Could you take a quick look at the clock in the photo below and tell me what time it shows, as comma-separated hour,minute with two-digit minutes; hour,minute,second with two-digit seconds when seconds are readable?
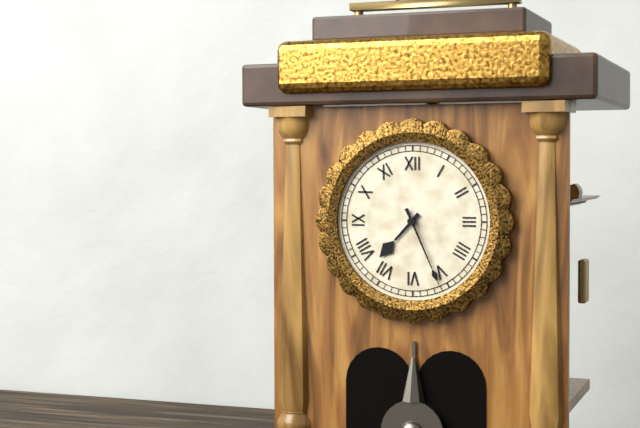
7,26
